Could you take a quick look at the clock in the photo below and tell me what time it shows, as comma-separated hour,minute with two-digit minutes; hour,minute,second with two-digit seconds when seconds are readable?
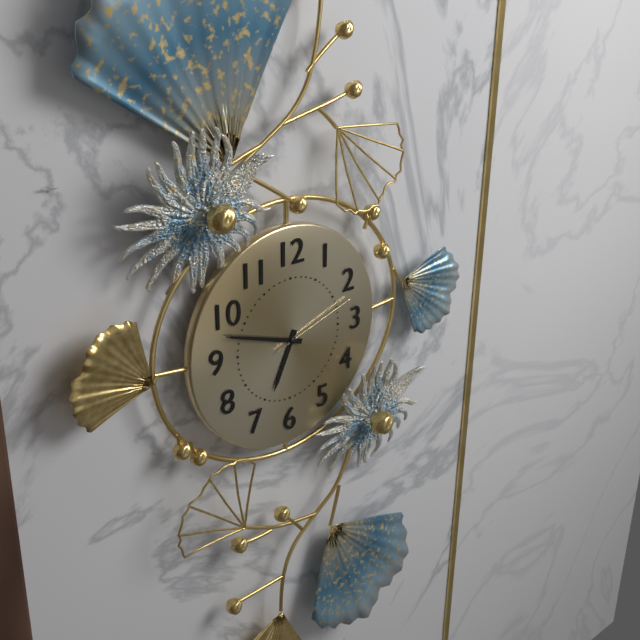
6,48,12
